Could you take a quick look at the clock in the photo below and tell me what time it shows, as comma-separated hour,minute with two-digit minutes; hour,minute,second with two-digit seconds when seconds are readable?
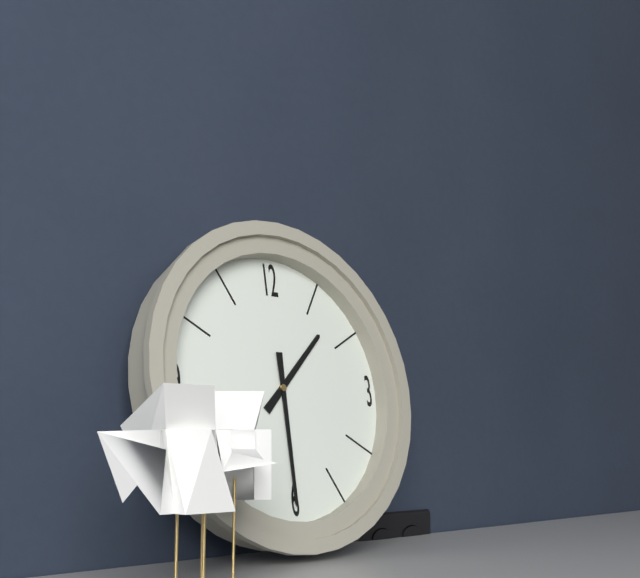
1,30
